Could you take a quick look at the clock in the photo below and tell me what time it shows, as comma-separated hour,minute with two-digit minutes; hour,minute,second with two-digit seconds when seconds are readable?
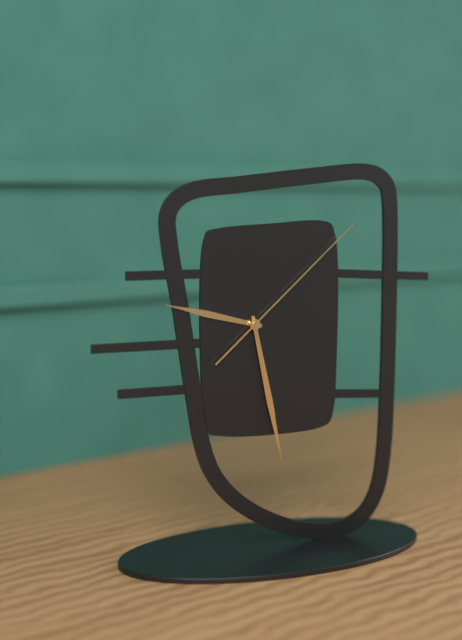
9,28,08
